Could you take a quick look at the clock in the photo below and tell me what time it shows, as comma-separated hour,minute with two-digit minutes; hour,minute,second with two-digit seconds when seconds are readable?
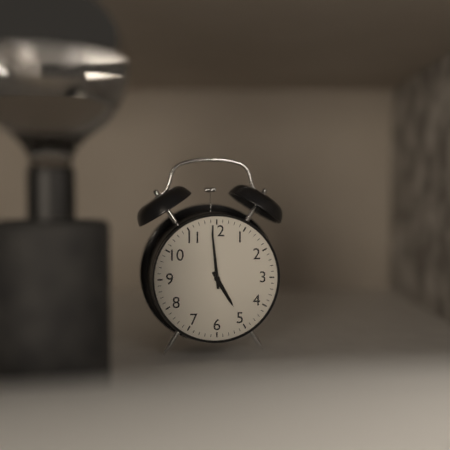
4,59
